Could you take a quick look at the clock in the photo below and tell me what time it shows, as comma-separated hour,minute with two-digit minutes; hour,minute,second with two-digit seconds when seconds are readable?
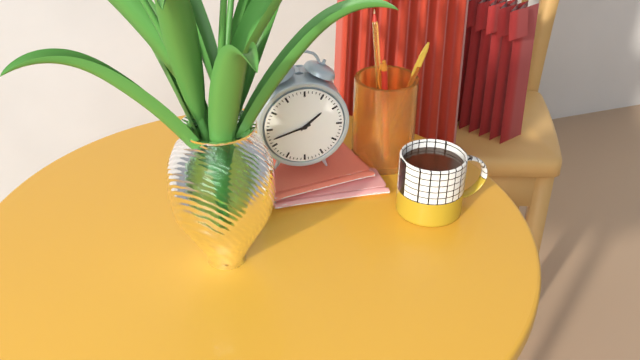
1,42
